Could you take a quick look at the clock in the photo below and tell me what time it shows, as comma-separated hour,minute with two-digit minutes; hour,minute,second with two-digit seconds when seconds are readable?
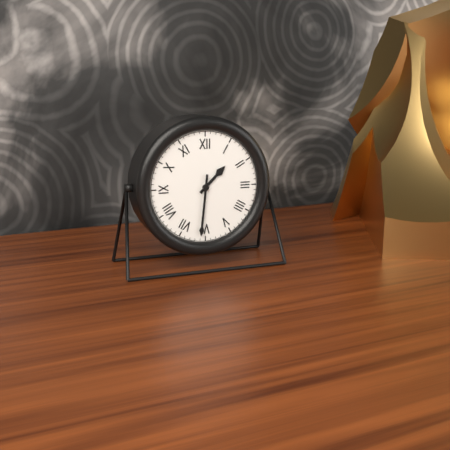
1,31
